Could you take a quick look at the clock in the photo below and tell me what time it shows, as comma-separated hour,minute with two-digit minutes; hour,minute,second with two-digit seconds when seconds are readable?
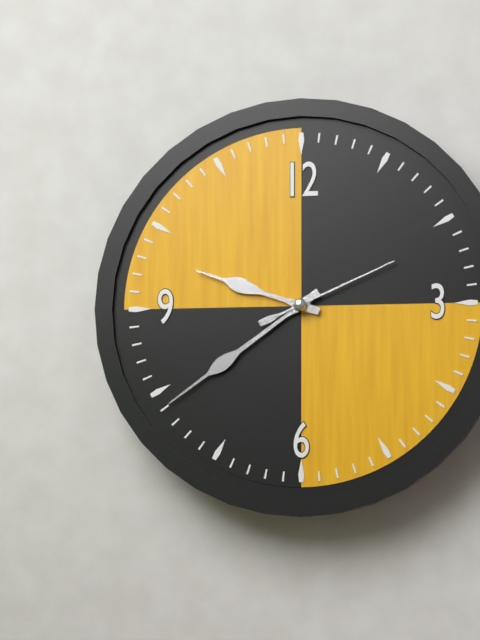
9,39,11
